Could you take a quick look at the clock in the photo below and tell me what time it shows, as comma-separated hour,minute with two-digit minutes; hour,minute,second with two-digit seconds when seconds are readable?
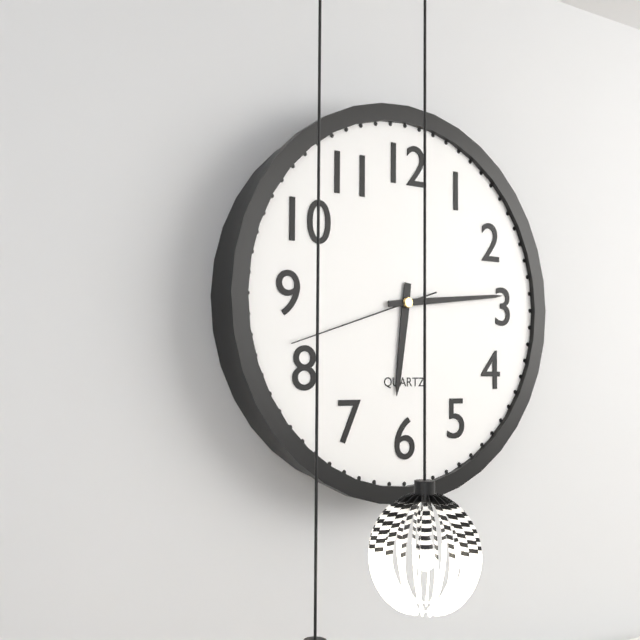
6,14,42
